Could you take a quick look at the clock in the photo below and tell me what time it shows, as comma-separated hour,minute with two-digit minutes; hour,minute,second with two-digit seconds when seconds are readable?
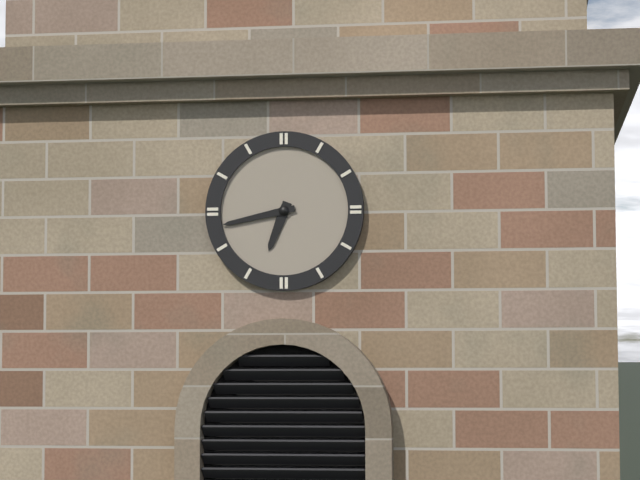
6,43
